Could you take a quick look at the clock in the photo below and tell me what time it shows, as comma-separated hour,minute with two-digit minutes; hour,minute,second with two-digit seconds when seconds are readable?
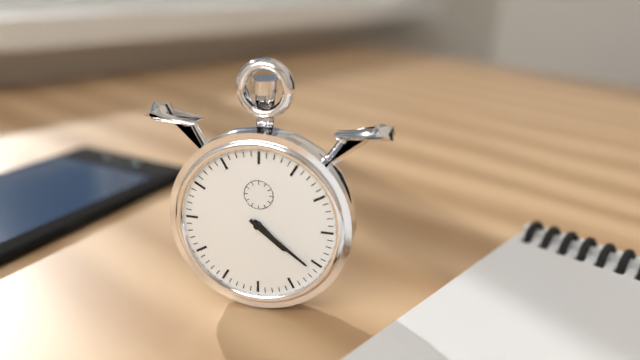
4,21
